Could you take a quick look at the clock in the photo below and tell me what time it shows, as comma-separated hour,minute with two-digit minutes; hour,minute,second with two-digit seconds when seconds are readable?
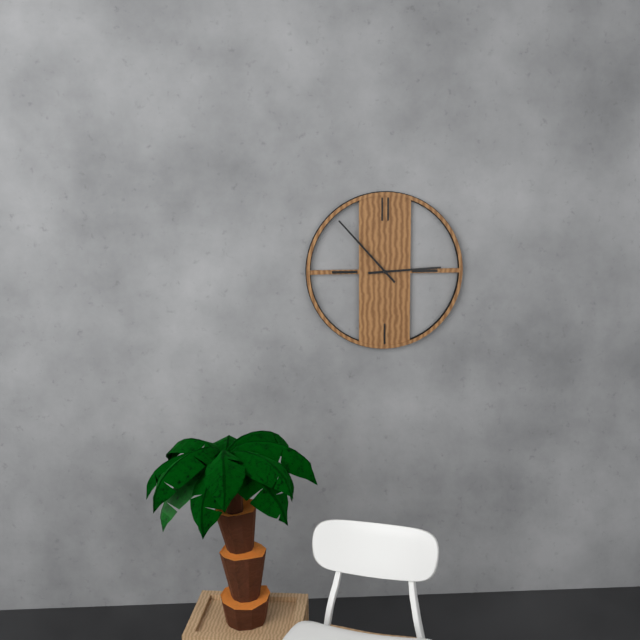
2,53
